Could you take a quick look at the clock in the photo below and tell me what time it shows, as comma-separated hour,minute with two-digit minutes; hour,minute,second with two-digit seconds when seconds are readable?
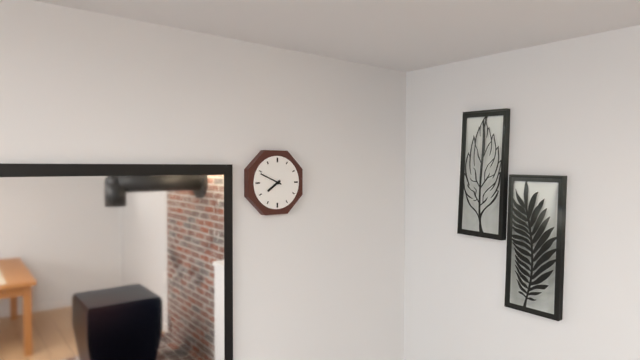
7,49
